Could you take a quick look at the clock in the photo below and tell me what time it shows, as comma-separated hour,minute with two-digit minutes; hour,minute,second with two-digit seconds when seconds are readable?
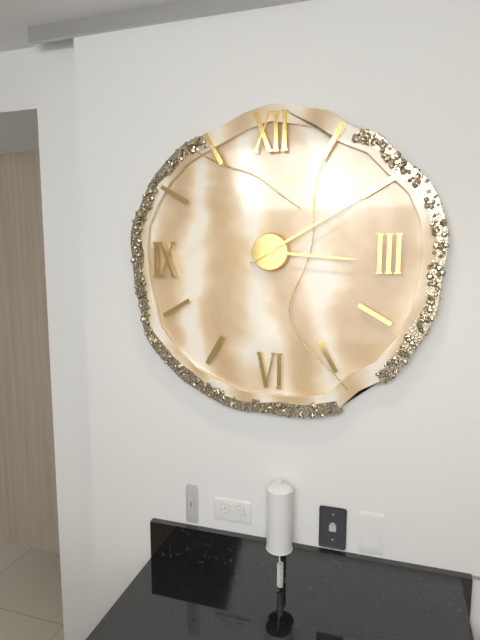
3,10
